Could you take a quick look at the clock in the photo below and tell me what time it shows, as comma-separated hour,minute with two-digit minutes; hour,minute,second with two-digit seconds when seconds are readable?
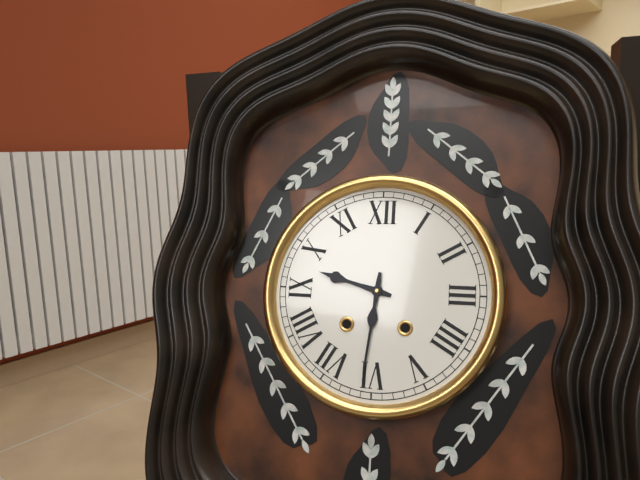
9,31
